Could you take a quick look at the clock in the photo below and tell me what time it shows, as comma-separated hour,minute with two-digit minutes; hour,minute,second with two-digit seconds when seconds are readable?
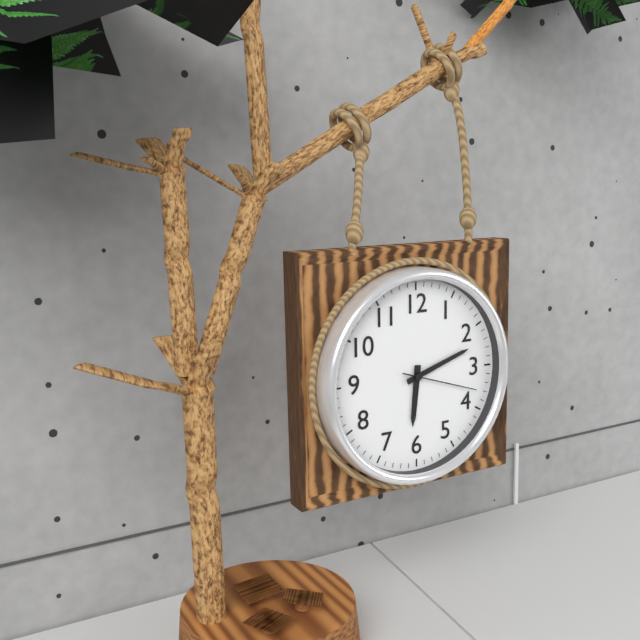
6,12,18
